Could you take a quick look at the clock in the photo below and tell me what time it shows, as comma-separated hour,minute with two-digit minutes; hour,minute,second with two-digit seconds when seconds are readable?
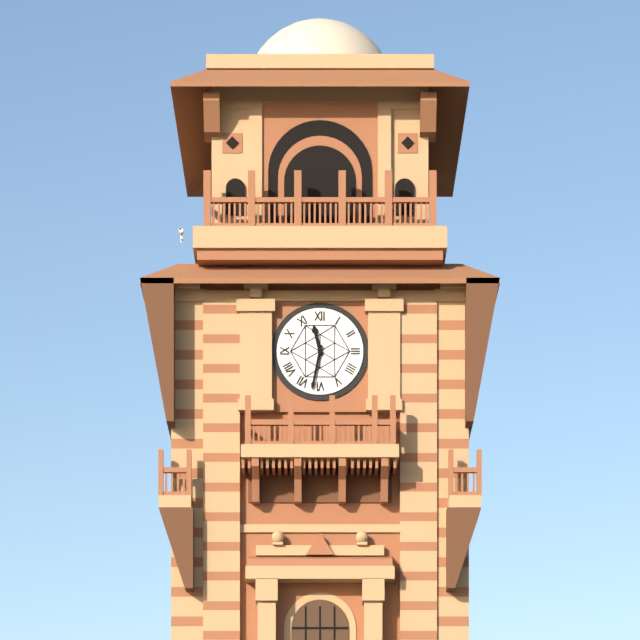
11,32
